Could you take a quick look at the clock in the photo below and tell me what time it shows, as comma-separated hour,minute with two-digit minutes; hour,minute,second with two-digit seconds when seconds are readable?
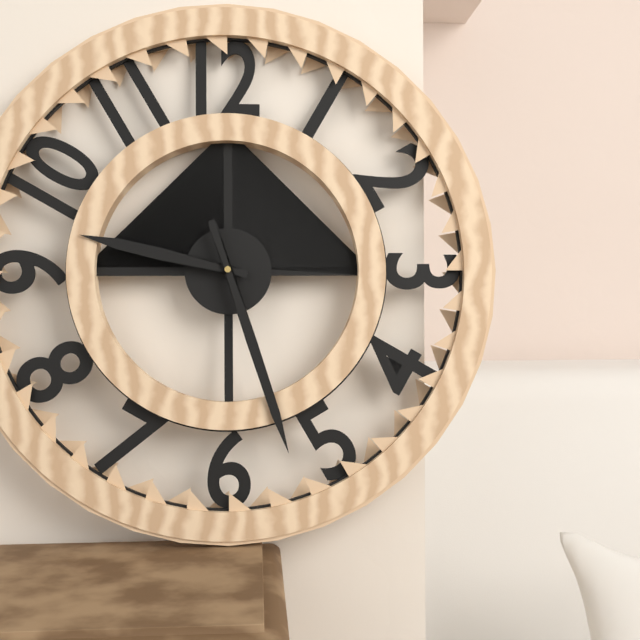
9,27
